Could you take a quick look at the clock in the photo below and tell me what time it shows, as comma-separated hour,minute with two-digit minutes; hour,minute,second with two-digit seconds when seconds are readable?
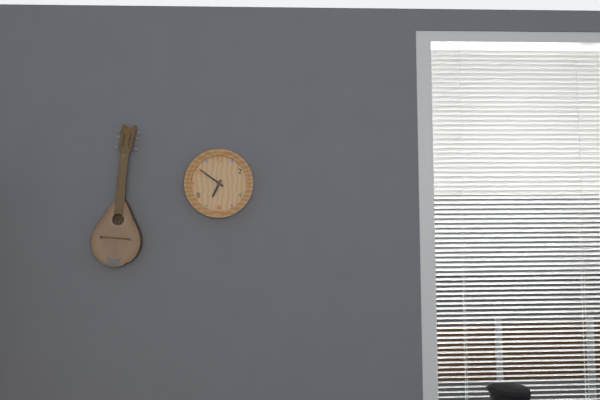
6,51
